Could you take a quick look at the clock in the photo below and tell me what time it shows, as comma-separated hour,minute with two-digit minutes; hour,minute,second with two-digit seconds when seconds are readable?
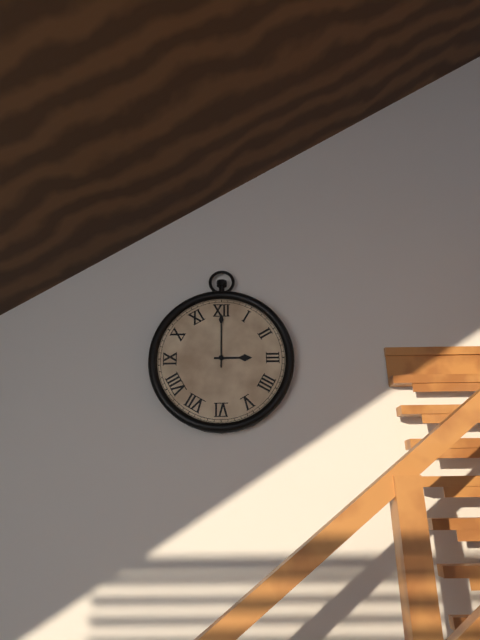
3,00
